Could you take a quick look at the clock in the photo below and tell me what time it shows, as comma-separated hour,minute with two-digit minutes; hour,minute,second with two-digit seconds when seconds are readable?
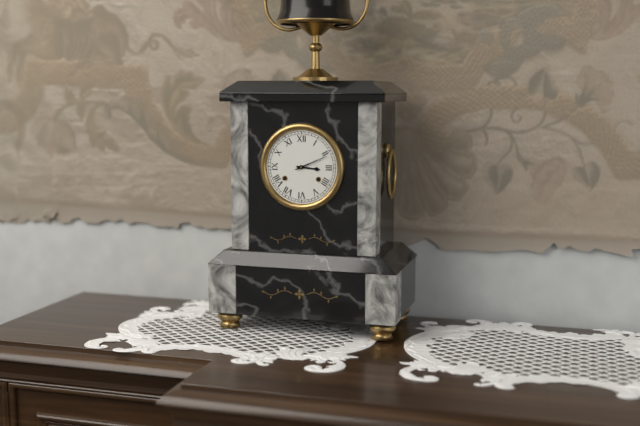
3,11
